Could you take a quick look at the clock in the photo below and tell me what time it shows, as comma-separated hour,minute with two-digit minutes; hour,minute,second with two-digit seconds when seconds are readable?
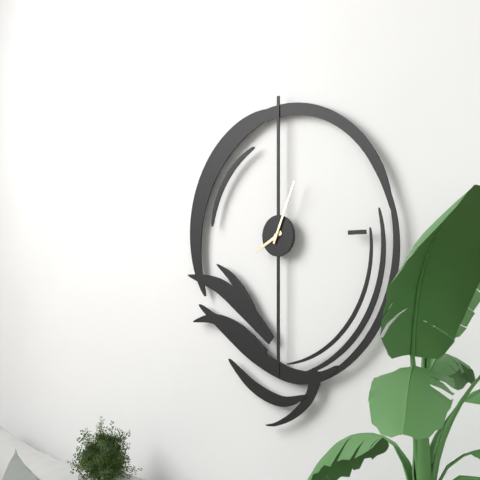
8,04
